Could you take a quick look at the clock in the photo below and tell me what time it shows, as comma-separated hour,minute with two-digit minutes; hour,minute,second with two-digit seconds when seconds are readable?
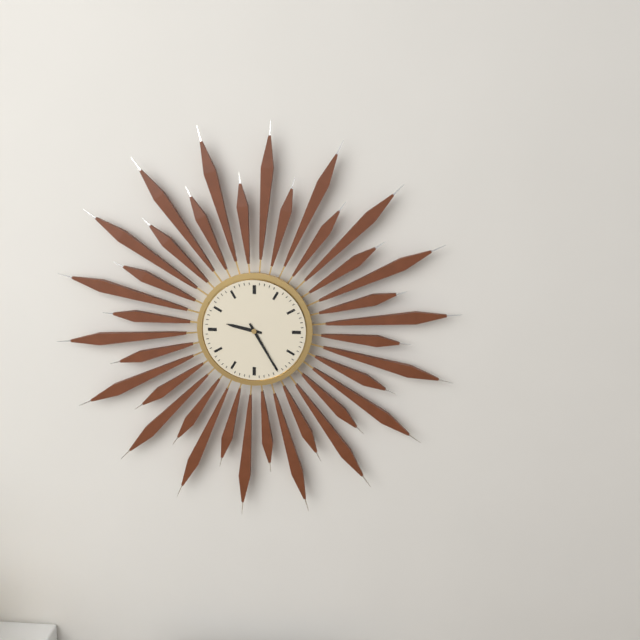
9,25
